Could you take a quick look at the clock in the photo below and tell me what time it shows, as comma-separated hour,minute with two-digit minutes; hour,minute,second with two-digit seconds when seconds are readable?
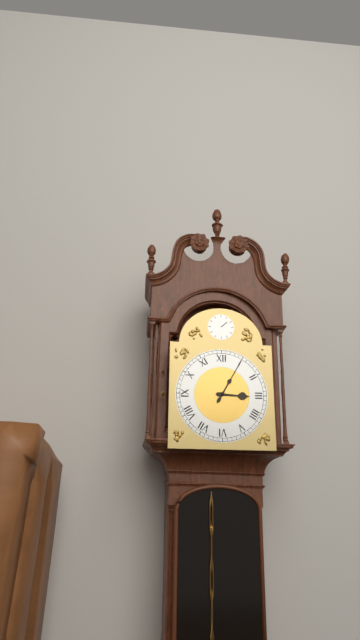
3,05
